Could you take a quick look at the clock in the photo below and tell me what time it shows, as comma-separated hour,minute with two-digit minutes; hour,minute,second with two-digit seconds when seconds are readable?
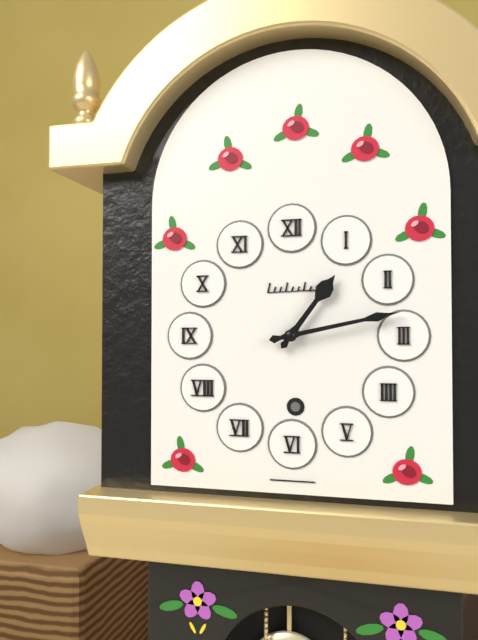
1,13
